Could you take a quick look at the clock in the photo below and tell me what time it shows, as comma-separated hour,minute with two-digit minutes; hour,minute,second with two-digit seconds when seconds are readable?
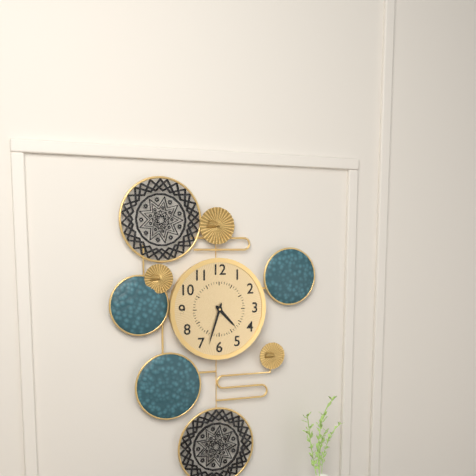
4,33
